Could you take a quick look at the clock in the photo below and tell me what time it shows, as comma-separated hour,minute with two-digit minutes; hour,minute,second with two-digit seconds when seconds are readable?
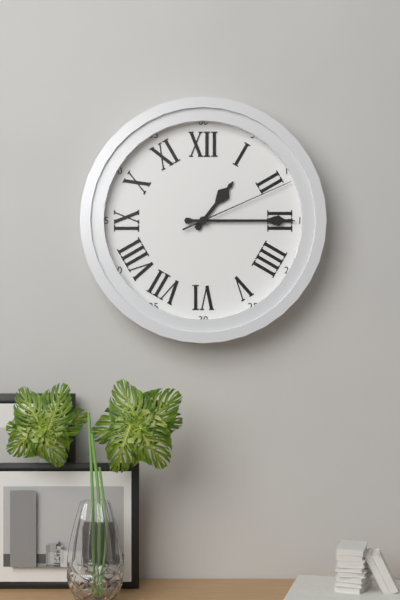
1,15,11
